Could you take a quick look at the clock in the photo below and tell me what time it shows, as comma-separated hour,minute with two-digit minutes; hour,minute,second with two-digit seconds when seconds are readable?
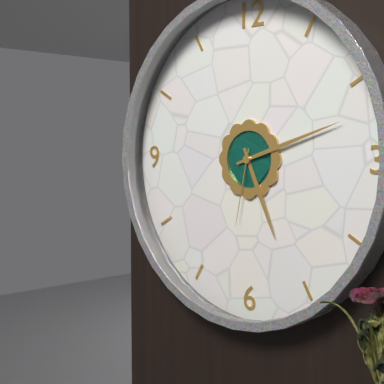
5,12,32
